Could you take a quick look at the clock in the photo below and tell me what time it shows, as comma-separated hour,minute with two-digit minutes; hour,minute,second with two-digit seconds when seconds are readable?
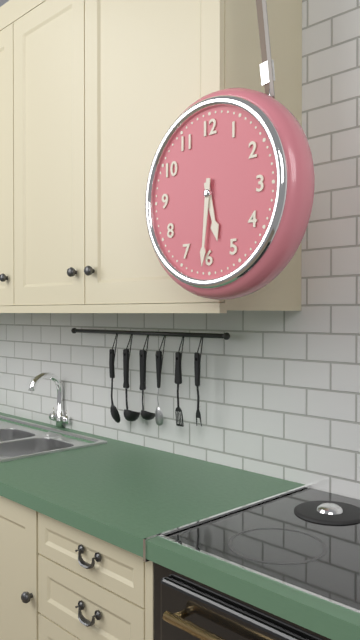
5,31
